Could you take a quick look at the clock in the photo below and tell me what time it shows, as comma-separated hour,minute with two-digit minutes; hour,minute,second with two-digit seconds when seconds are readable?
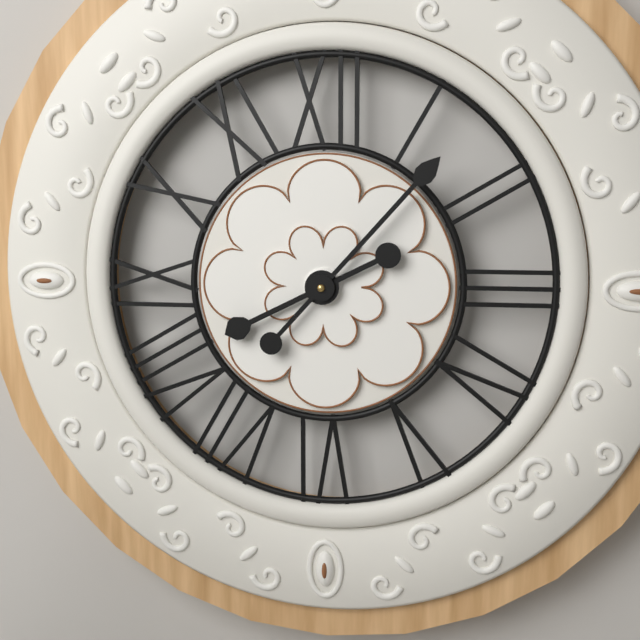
8,07
